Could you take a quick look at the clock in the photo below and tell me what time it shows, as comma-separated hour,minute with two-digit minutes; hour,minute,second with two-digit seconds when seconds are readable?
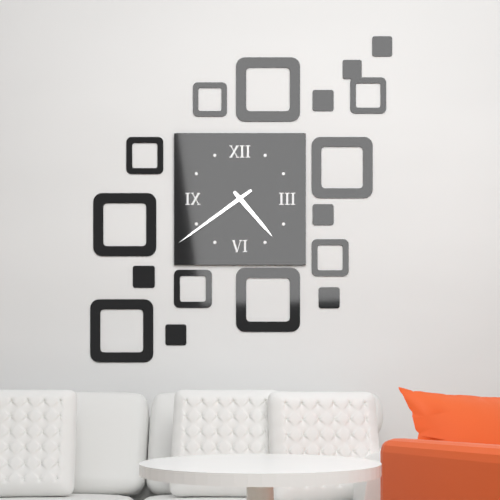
4,39
